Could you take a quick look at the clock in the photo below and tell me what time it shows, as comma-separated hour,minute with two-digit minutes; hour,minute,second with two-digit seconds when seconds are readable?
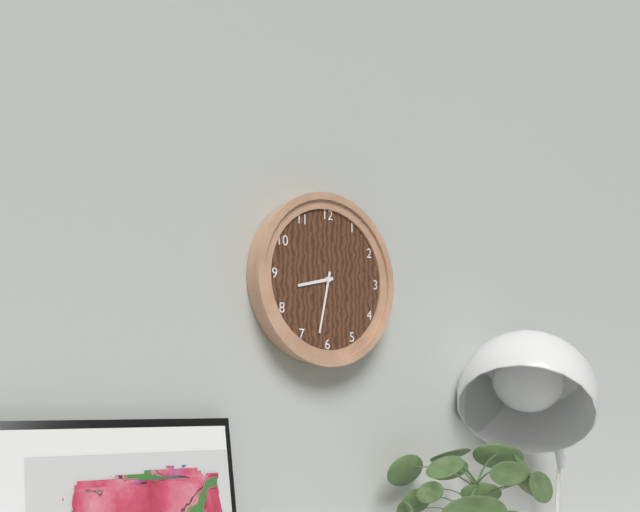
8,32
